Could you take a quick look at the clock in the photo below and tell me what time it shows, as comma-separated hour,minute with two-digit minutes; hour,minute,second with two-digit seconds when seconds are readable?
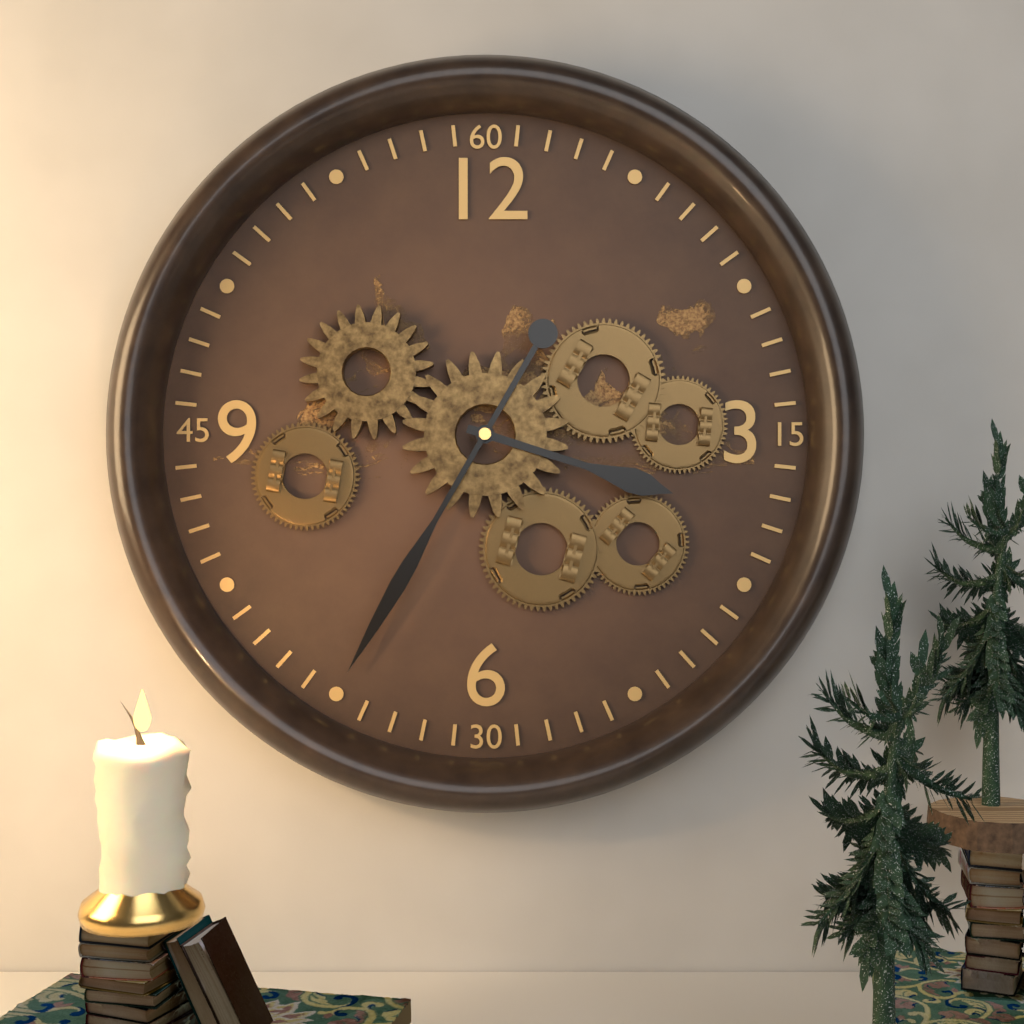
3,35
